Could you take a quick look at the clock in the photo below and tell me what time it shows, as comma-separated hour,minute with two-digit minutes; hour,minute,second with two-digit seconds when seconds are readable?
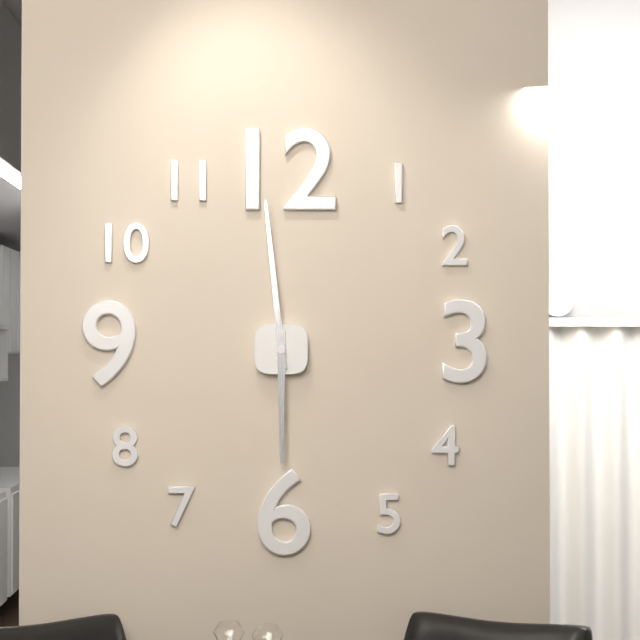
5,59
